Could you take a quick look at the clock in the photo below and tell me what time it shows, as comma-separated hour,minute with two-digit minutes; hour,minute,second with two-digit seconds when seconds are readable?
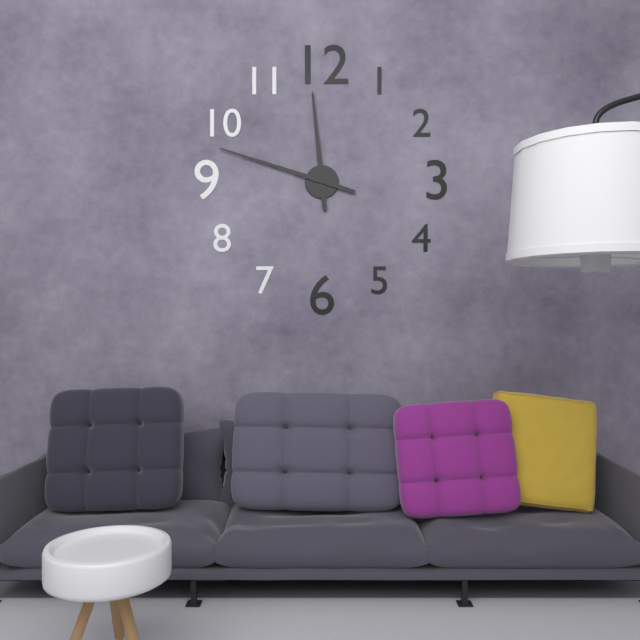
11,48
